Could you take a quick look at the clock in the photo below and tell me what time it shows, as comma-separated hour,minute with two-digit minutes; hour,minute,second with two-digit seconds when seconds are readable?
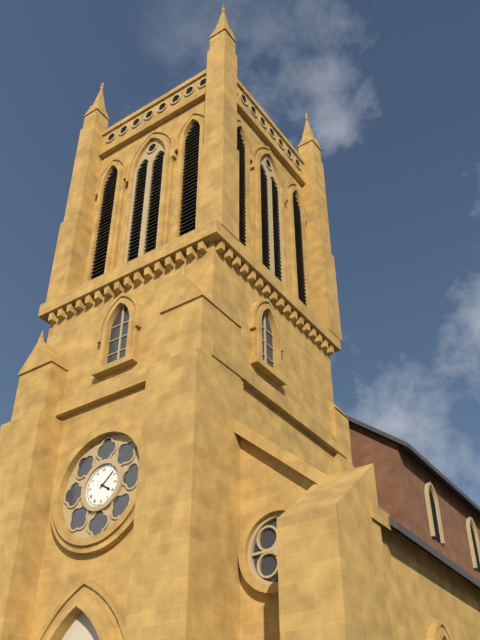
4,08
